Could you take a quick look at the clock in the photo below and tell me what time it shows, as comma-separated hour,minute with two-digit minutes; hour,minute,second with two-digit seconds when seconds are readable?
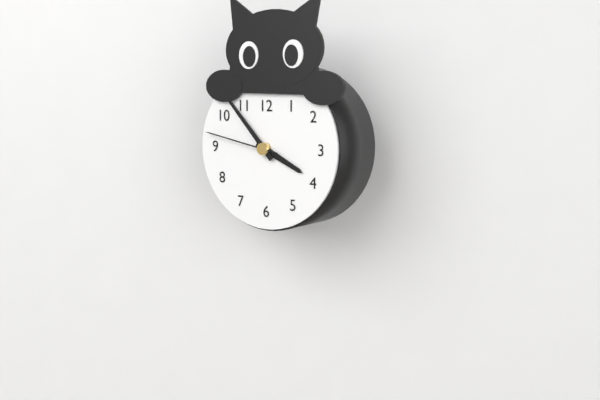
3,53,47
